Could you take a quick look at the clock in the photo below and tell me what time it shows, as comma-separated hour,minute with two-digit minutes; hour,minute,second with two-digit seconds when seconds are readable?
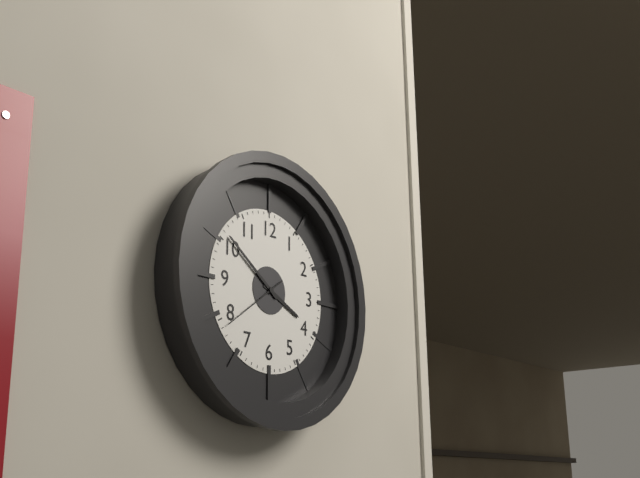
3,51,39
